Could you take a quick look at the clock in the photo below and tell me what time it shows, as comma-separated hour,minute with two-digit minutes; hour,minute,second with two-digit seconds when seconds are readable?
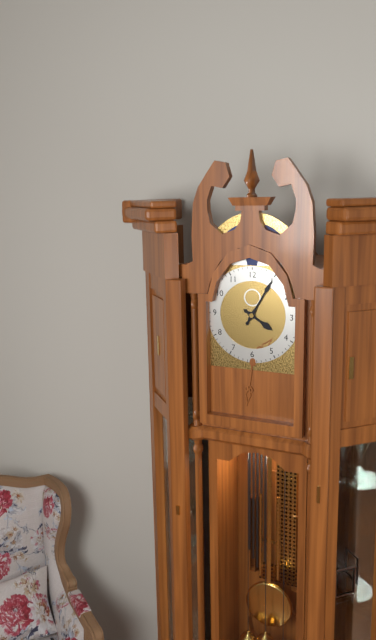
4,05
